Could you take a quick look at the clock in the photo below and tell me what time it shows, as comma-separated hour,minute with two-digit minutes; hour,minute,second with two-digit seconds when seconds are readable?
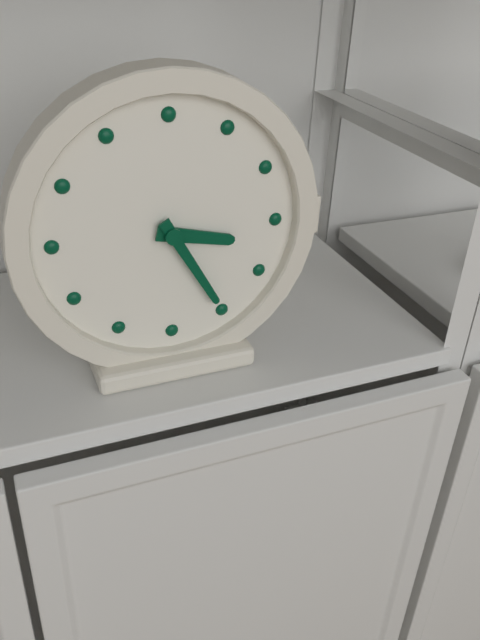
3,25
